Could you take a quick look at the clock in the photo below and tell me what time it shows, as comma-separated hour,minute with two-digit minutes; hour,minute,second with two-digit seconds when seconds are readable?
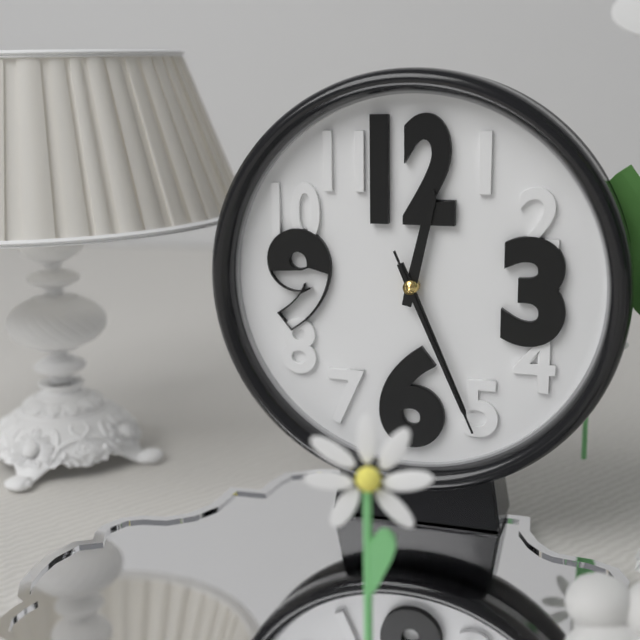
12,26,26
